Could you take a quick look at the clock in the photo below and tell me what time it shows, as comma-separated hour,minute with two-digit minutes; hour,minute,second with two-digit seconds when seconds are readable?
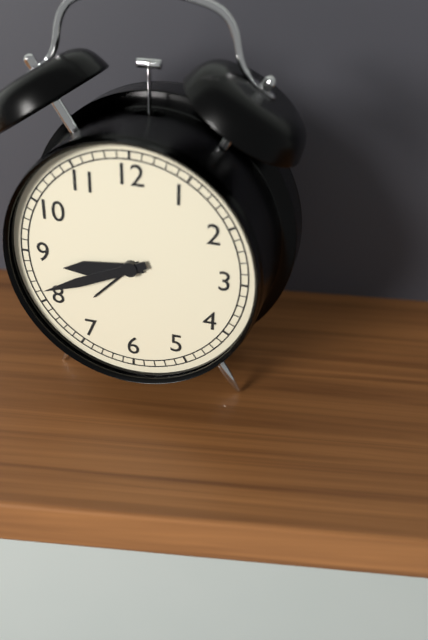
8,41
